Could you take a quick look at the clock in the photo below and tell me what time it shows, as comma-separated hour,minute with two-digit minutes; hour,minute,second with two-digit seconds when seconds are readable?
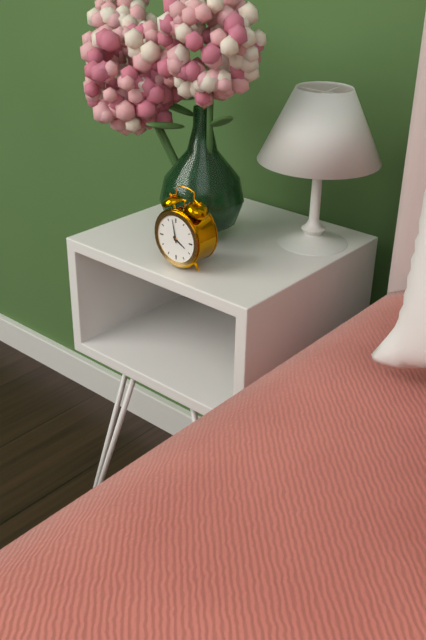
3,58
